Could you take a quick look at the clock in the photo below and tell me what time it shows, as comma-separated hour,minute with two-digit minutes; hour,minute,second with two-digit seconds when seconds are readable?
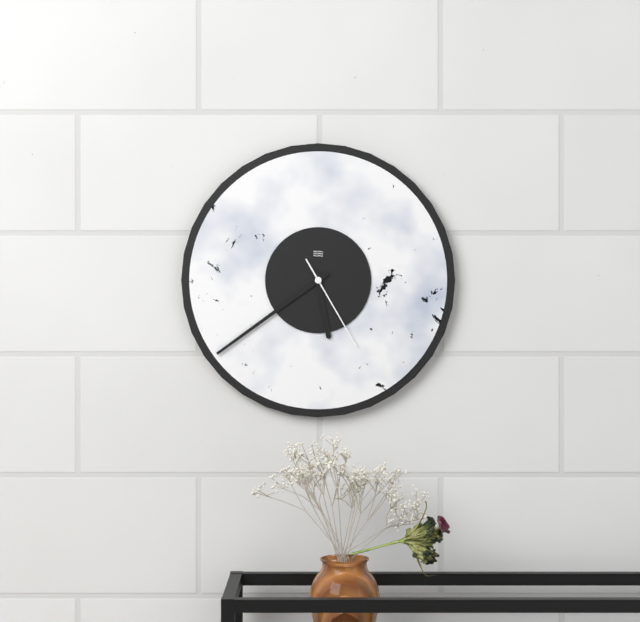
5,39,25
